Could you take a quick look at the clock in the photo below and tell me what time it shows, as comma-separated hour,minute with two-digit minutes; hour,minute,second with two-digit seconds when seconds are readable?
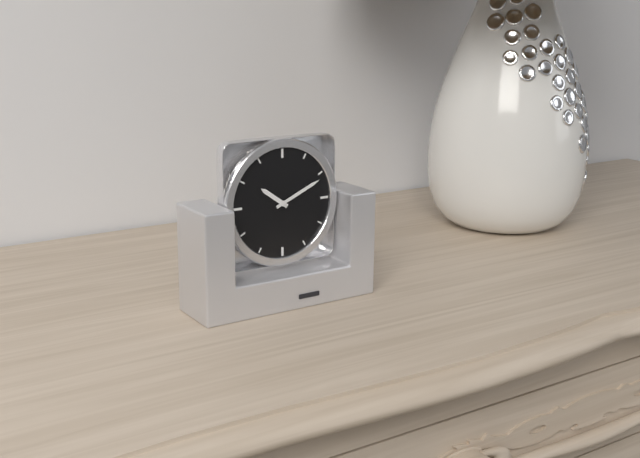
10,11
